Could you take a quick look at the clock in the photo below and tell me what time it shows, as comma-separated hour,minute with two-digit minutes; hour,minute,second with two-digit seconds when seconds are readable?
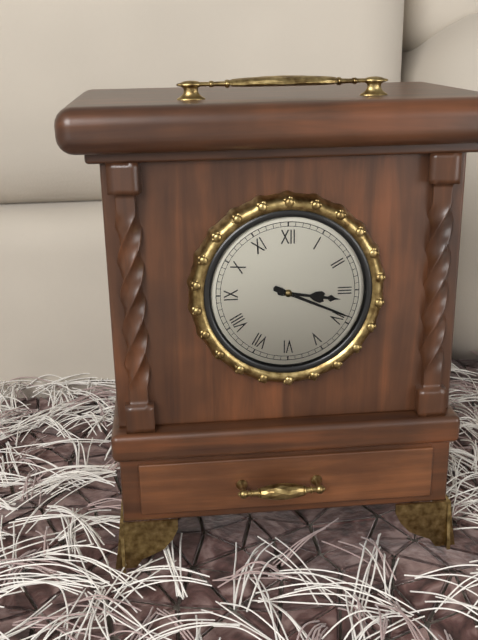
3,19
